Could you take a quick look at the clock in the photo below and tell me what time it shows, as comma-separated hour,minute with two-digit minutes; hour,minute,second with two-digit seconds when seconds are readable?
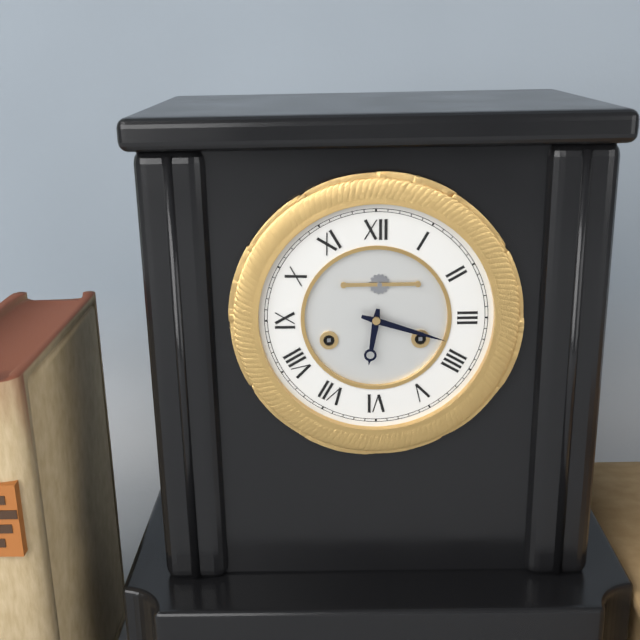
6,18
